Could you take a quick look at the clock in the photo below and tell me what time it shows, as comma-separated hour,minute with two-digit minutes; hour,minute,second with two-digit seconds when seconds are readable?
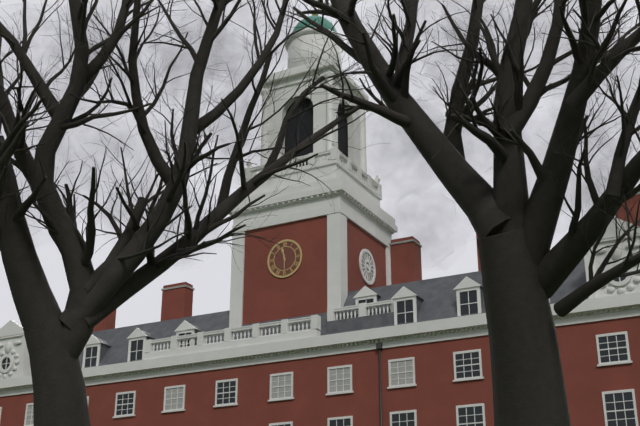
11,30
